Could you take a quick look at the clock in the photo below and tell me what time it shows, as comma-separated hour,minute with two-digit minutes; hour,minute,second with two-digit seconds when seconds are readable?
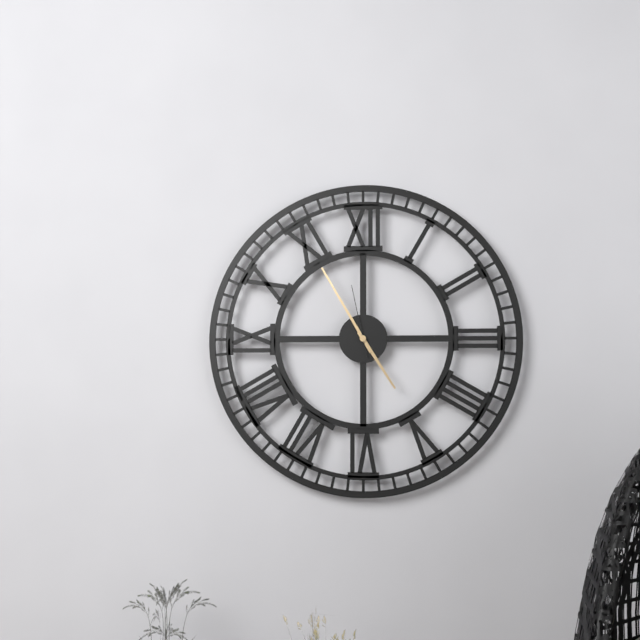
4,55,58
